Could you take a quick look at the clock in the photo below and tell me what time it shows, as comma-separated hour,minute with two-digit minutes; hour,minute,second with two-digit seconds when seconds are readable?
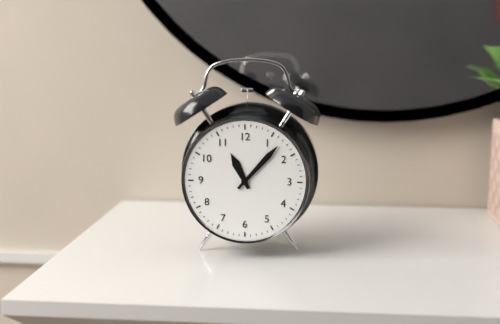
11,07
